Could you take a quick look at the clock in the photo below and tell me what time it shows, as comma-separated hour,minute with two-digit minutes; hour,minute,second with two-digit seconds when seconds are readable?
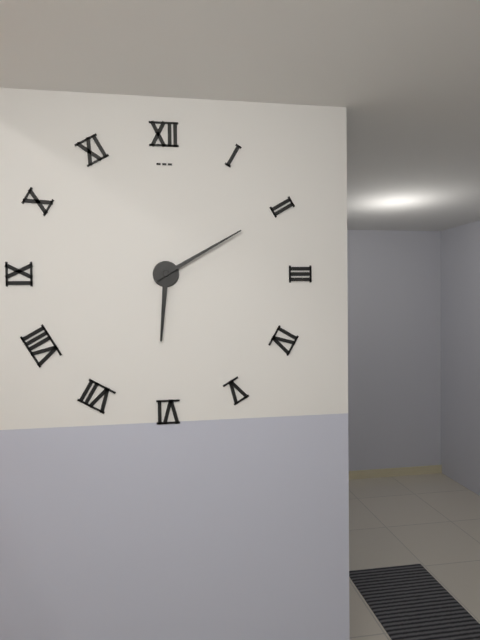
6,10
